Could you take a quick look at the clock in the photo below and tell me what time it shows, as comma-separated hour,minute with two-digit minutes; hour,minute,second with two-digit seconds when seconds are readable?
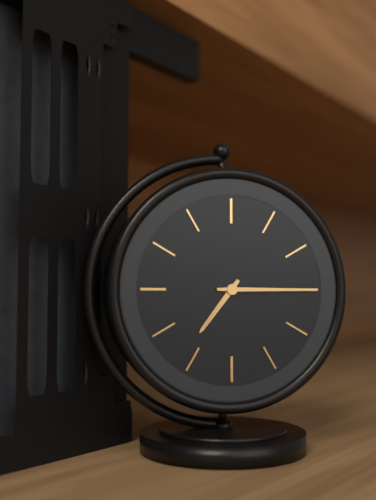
7,15
